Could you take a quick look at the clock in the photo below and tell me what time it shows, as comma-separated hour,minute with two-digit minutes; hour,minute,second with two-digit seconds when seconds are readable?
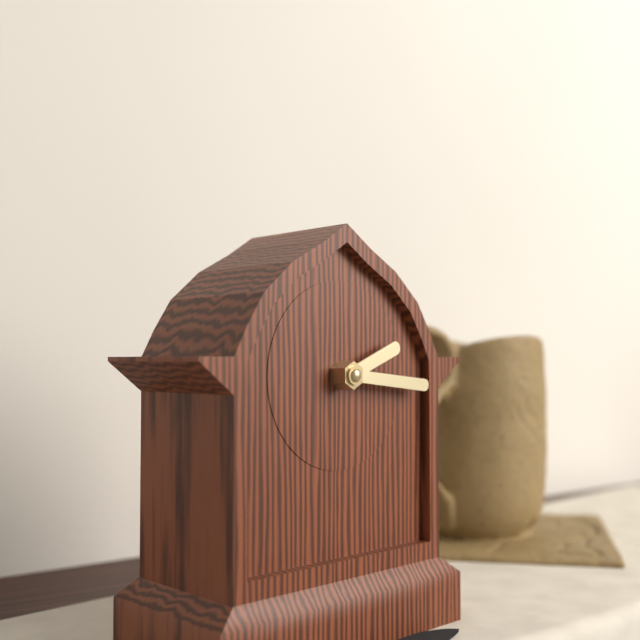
2,16
